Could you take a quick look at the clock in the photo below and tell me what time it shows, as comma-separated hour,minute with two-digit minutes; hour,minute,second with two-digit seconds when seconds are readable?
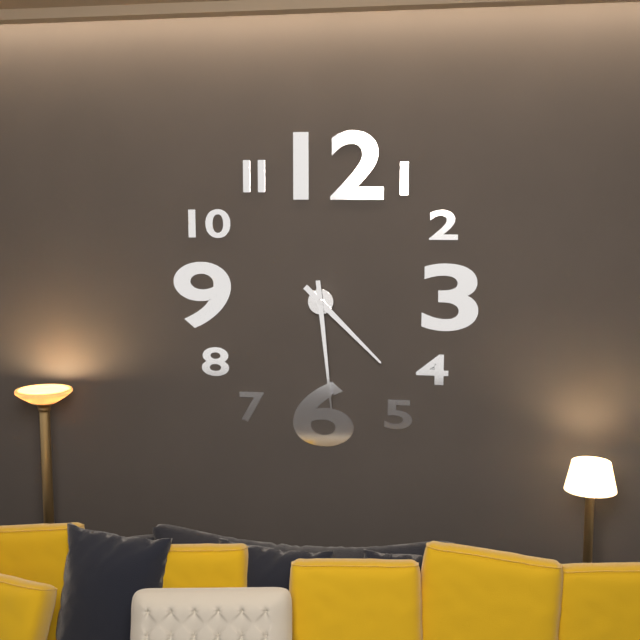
4,29
